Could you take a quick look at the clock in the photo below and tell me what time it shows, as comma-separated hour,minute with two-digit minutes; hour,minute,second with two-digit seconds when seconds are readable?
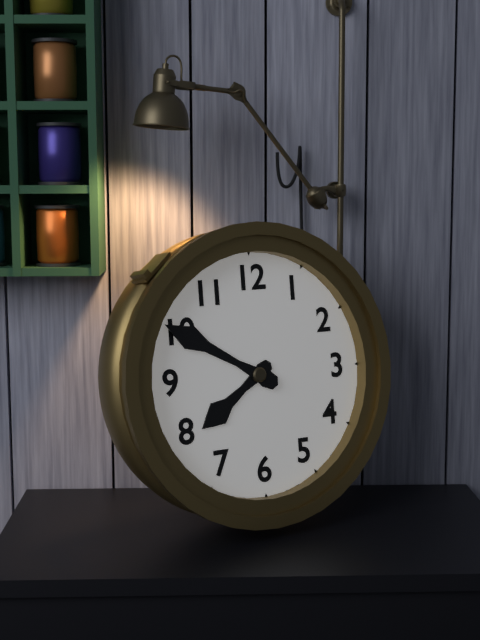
7,50
